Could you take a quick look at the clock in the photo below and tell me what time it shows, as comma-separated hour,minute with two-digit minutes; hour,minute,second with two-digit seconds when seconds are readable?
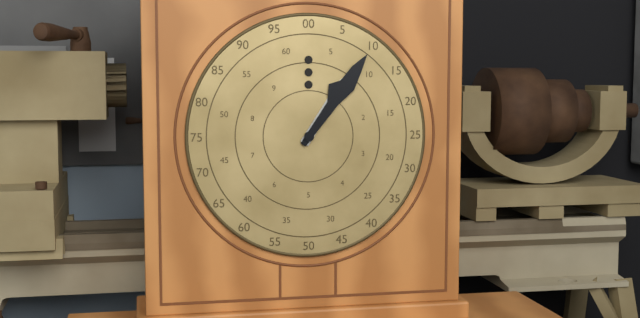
1,06
